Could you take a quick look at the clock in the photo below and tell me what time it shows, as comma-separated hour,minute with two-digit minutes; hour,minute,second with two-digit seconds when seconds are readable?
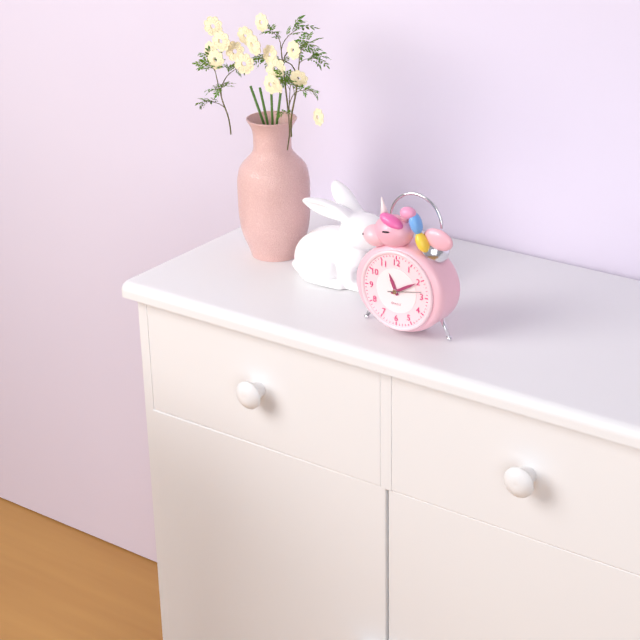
11,10
